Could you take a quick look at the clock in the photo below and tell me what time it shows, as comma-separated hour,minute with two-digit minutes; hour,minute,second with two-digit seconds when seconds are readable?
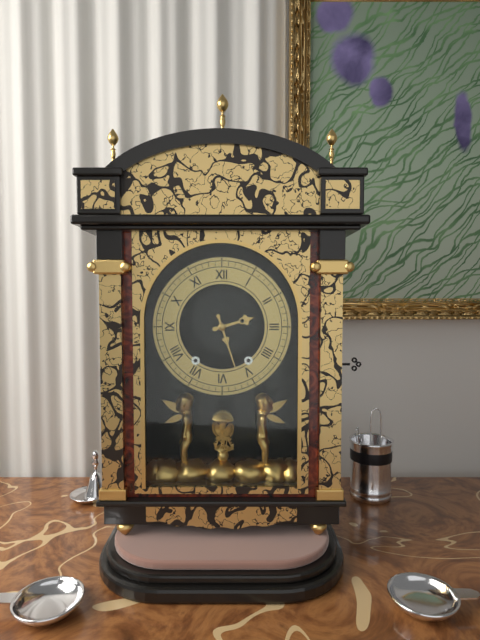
2,27
